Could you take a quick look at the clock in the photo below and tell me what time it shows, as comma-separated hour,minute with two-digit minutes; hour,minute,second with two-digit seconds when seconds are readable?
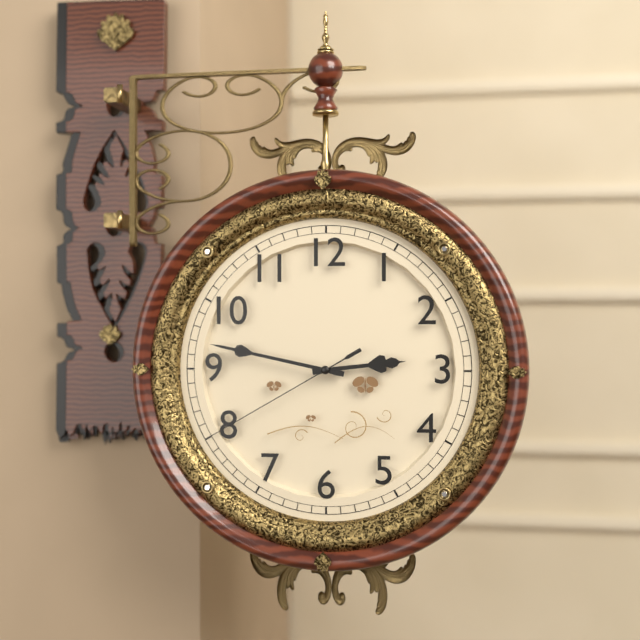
2,47,40
